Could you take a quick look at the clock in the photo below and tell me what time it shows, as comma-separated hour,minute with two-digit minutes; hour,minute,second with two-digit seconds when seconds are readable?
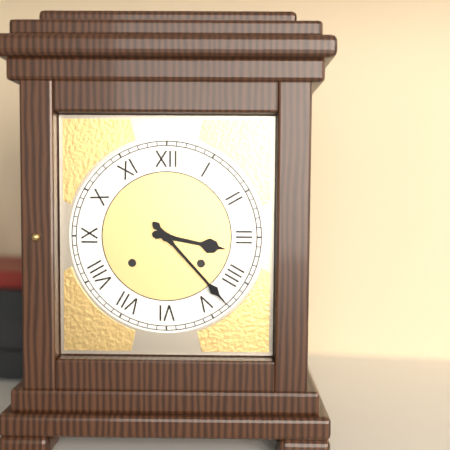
3,23
